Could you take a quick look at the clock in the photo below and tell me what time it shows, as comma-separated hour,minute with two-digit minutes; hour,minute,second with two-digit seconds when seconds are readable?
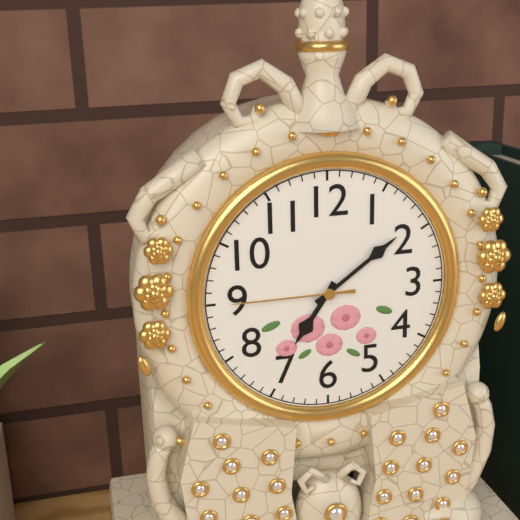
7,09,45
